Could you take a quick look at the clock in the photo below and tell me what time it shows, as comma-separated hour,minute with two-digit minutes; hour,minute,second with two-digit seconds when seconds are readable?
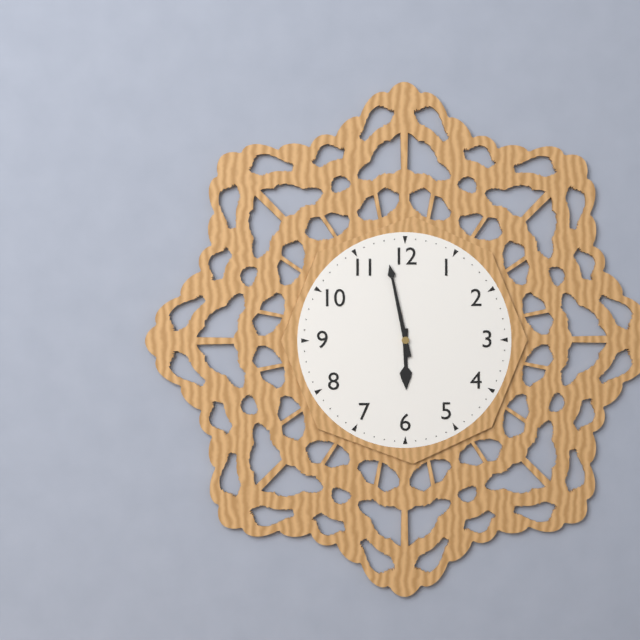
5,58
